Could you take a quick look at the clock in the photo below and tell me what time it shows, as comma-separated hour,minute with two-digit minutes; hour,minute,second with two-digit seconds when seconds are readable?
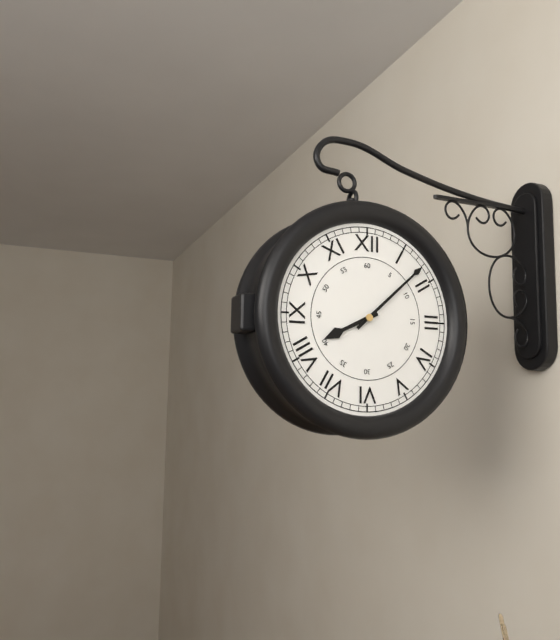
8,08
